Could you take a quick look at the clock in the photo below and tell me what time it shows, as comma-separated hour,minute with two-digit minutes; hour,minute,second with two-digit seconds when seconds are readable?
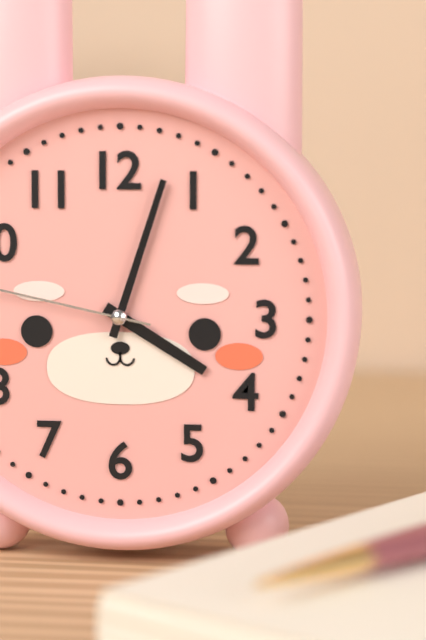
4,03
